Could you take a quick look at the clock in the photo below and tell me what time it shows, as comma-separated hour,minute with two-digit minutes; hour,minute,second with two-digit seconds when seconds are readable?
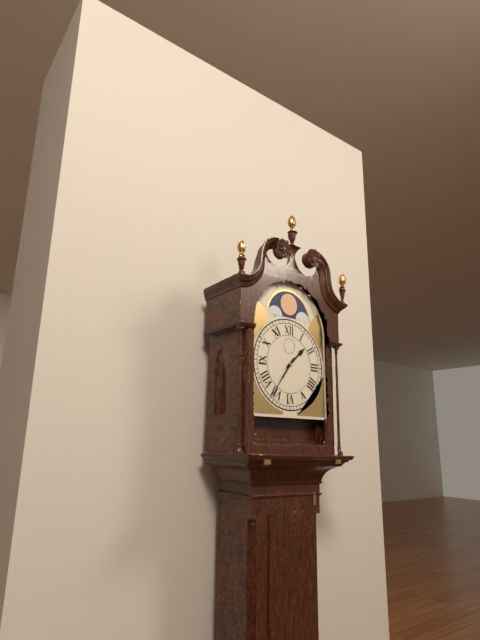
1,36
